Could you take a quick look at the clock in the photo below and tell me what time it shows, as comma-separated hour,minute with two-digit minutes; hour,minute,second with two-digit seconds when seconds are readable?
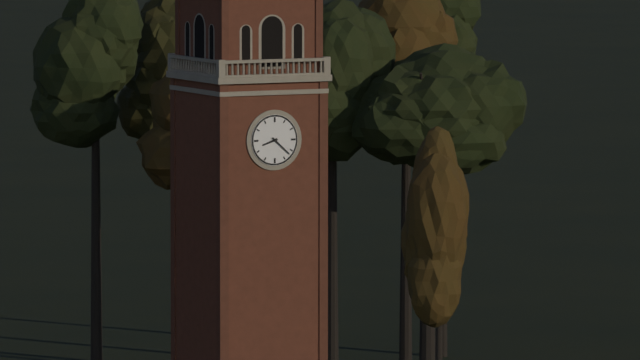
8,22
